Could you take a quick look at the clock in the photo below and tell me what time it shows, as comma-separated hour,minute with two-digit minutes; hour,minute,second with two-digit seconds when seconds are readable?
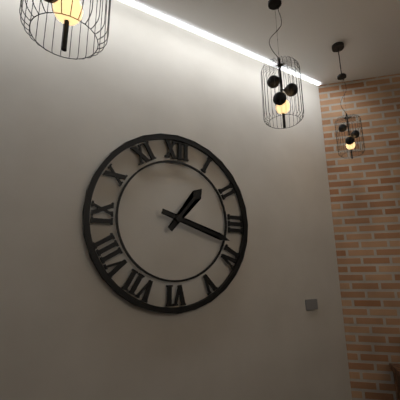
1,18
